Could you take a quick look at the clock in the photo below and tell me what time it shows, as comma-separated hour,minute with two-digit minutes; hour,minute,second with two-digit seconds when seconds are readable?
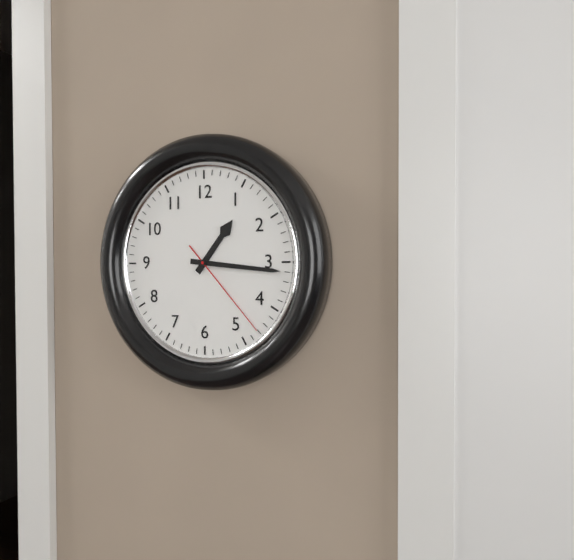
1,16,23
